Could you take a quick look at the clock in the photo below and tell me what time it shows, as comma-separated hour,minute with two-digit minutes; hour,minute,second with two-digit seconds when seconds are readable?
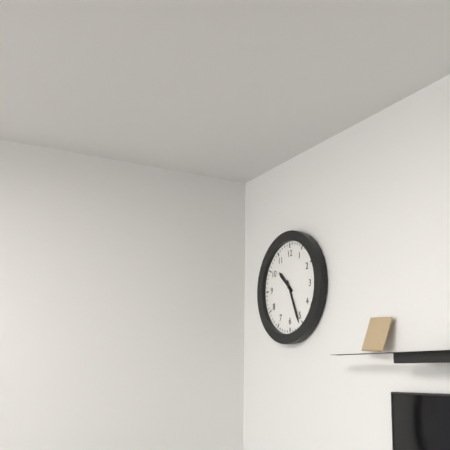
10,26
